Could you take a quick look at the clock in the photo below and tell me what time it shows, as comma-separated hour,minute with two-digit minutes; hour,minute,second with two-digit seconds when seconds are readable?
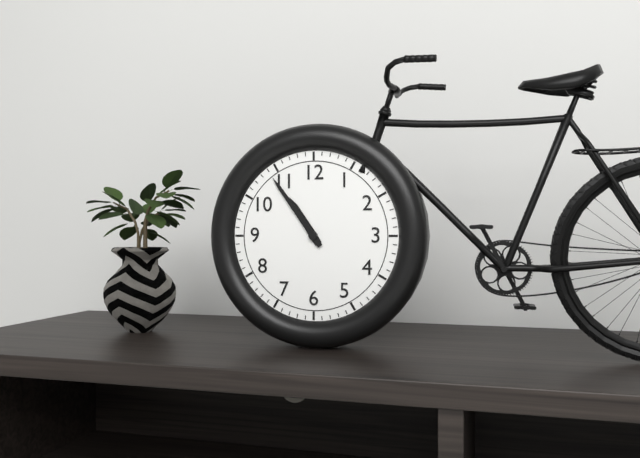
10,54
